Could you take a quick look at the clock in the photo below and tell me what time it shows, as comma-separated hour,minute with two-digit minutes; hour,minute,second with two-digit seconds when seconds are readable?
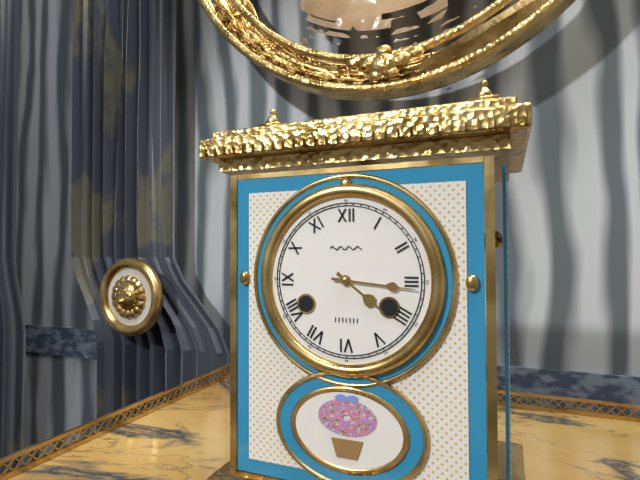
4,16
